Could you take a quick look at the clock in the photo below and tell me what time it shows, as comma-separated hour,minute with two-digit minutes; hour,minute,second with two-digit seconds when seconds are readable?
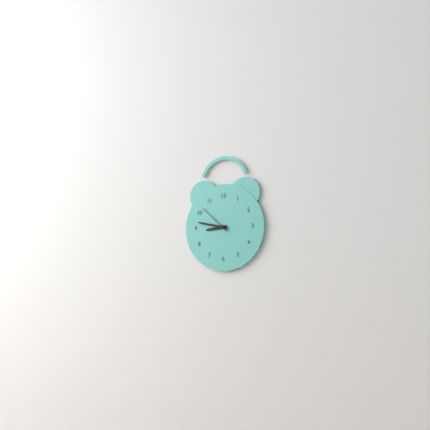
8,47
